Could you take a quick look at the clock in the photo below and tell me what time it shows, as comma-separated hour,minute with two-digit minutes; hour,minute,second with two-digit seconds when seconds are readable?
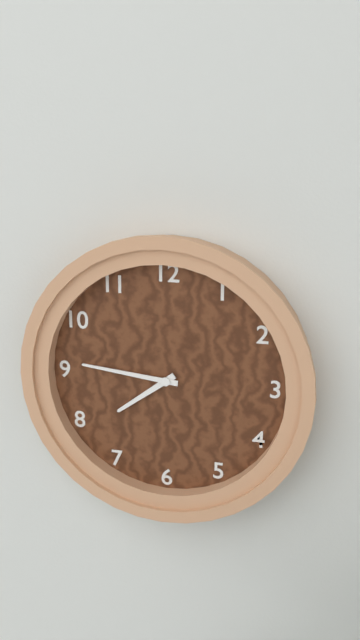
7,46
